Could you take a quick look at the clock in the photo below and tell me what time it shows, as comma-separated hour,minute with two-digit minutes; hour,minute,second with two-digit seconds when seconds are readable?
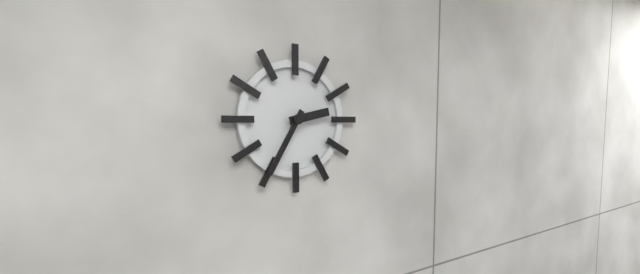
2,35
